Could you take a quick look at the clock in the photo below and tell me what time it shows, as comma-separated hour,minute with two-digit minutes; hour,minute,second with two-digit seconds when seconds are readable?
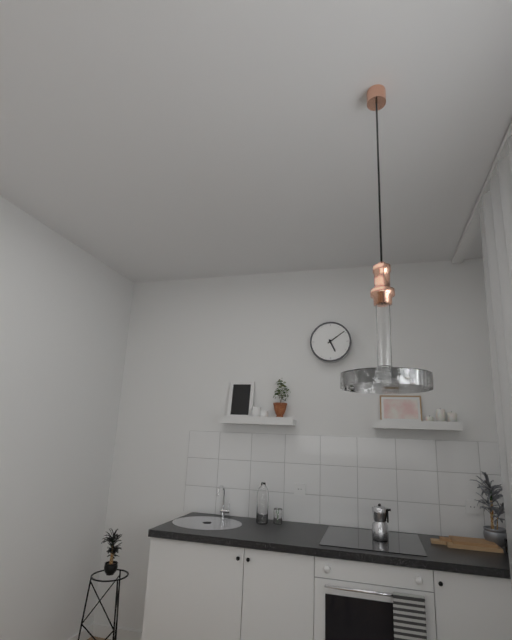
5,09
